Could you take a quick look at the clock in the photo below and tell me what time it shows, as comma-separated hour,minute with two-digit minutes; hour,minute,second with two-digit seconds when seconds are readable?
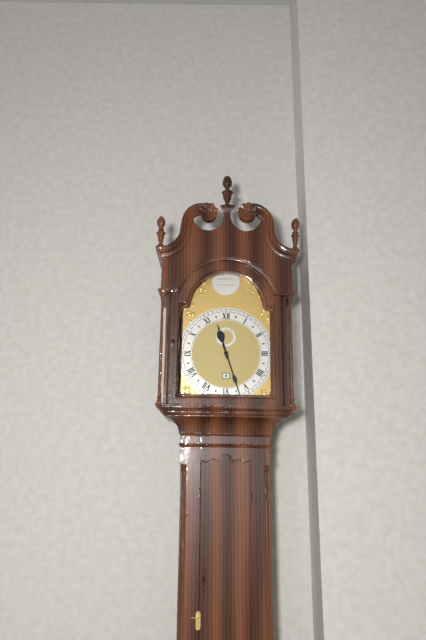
11,27
